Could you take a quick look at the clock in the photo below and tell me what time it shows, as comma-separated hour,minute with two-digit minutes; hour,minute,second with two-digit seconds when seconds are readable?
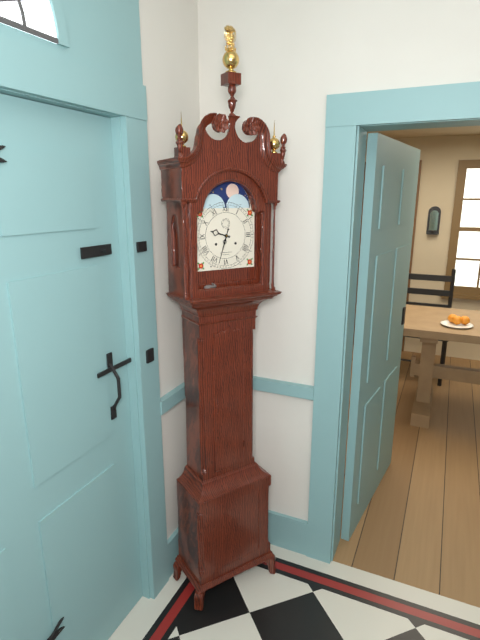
9,33
